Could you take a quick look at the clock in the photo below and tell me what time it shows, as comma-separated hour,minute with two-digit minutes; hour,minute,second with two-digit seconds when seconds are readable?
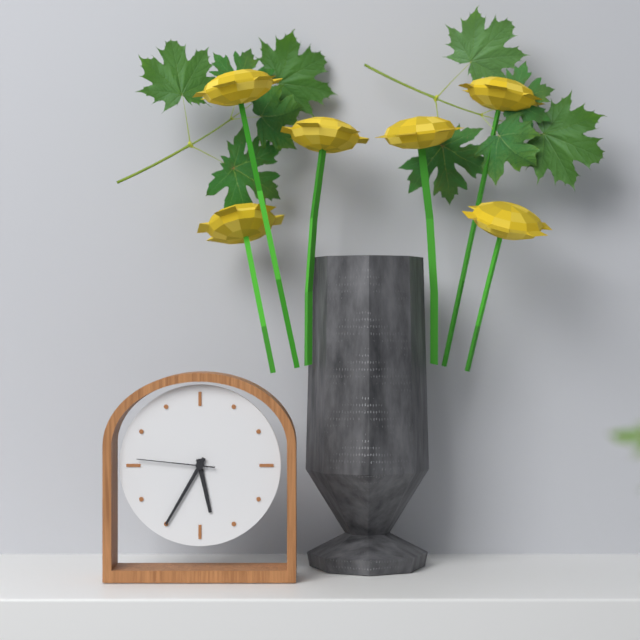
5,35,46
